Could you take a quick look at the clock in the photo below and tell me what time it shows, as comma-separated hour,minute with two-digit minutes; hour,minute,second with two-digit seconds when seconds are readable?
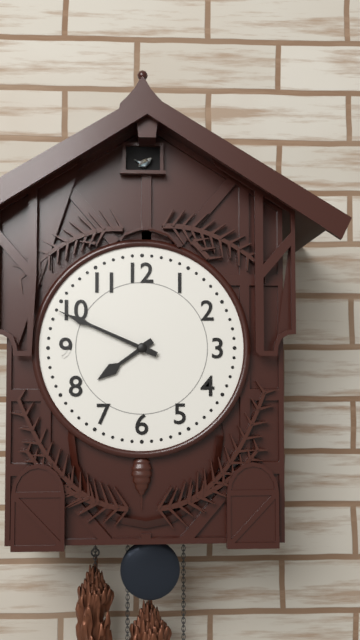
7,49
